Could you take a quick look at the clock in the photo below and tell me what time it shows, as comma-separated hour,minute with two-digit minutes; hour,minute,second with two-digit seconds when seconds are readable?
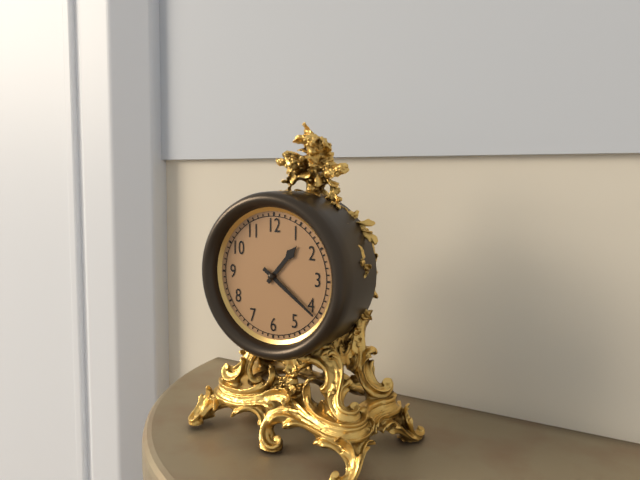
1,21
